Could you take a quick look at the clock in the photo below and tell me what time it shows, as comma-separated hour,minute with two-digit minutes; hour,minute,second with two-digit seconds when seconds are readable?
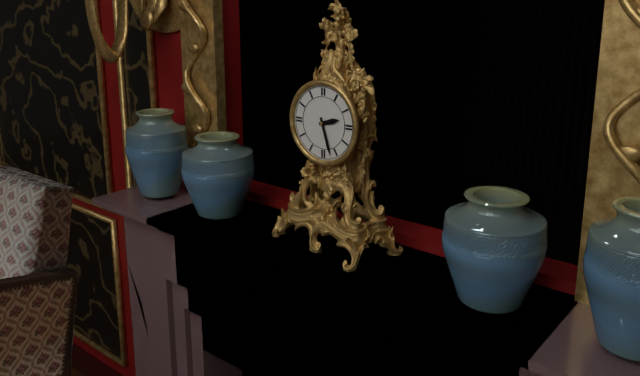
2,27
